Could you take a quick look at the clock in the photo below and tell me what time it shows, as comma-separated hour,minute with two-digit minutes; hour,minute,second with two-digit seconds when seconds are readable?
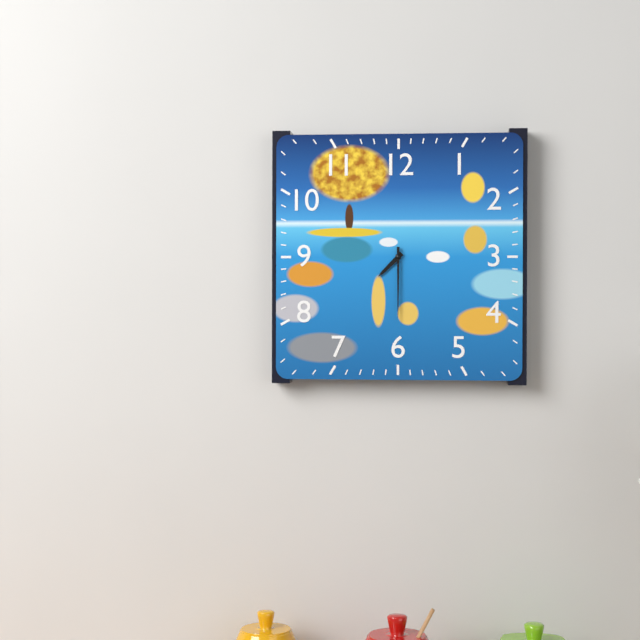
7,30
